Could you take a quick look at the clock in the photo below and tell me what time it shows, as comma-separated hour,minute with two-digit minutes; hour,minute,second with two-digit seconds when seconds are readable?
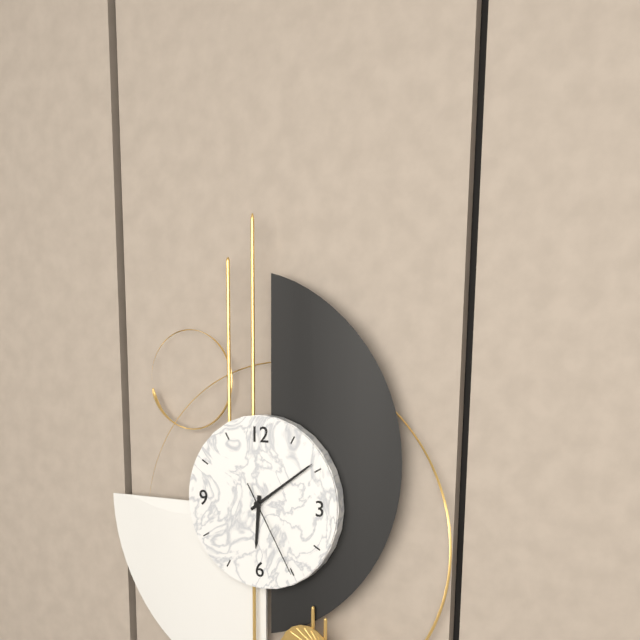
6,09,25
